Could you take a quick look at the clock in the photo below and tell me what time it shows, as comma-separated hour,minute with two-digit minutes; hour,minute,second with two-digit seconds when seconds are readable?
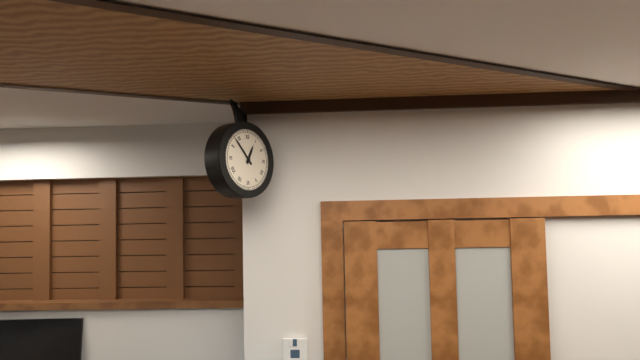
12,53
